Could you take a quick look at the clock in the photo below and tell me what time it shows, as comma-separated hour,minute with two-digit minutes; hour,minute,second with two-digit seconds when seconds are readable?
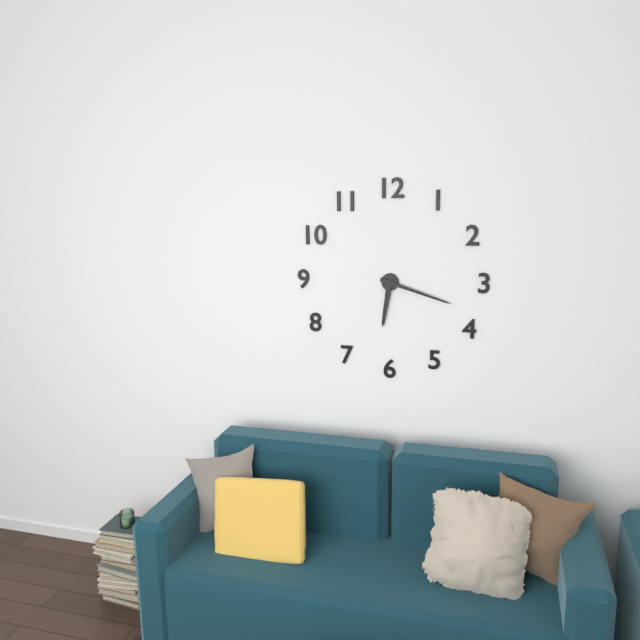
6,18
